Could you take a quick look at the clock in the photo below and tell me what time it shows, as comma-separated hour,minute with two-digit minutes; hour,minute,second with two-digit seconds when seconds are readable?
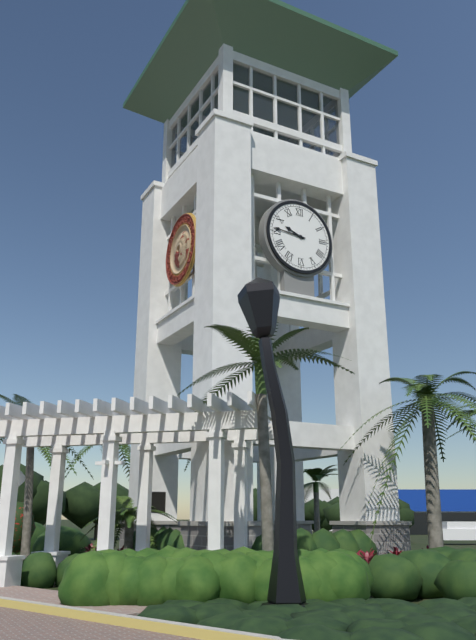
9,46
